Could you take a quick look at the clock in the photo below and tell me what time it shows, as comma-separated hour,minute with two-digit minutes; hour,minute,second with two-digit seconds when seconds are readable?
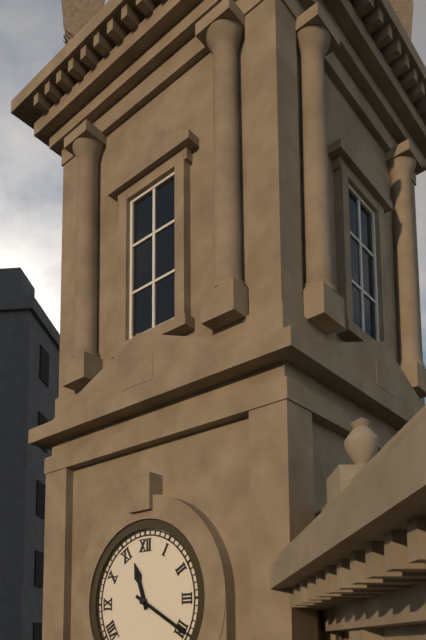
11,20
